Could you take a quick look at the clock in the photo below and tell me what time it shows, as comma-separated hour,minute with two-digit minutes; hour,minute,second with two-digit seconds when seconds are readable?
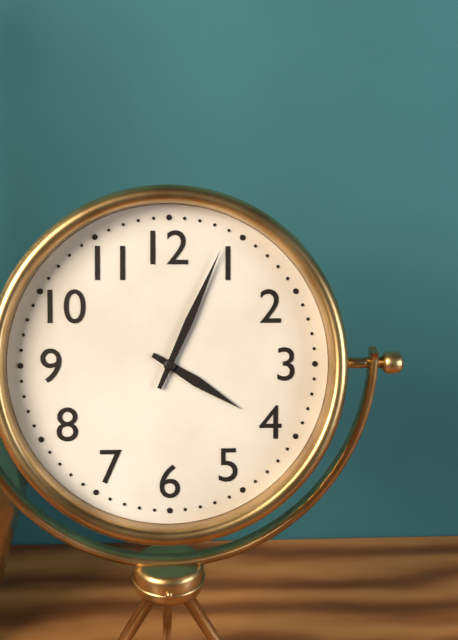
4,04
